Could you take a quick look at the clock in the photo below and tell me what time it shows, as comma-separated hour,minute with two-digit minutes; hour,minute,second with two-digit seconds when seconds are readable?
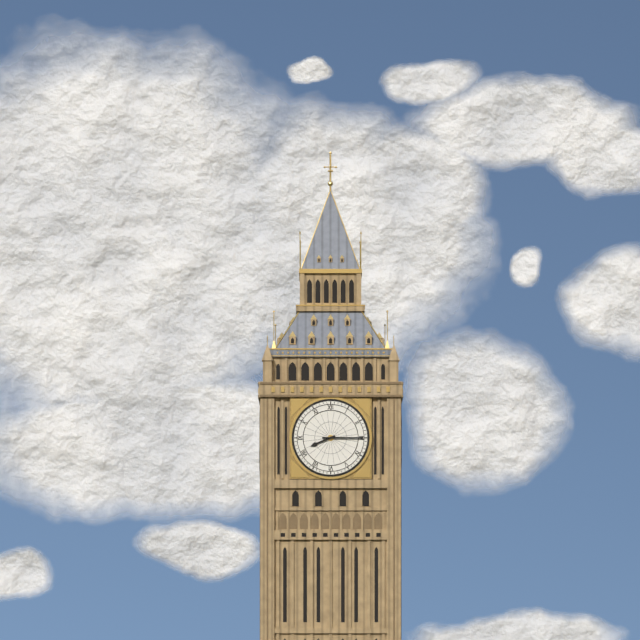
8,15
